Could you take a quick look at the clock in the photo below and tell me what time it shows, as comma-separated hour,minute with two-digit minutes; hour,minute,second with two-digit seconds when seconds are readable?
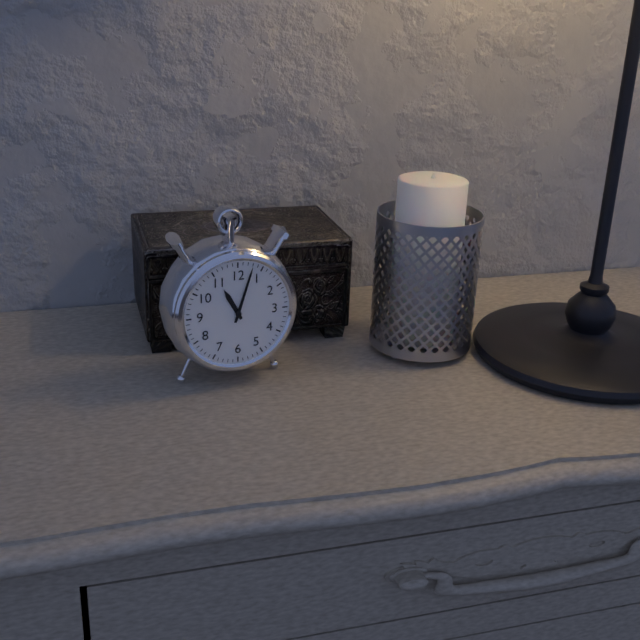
11,03
